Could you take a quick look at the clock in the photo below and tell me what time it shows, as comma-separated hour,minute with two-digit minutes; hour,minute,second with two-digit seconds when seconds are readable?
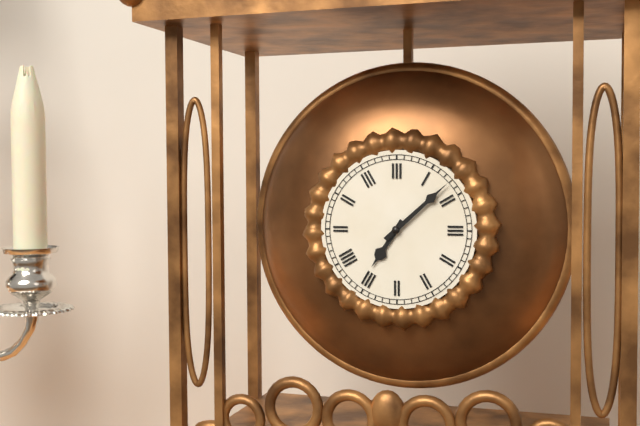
7,08
